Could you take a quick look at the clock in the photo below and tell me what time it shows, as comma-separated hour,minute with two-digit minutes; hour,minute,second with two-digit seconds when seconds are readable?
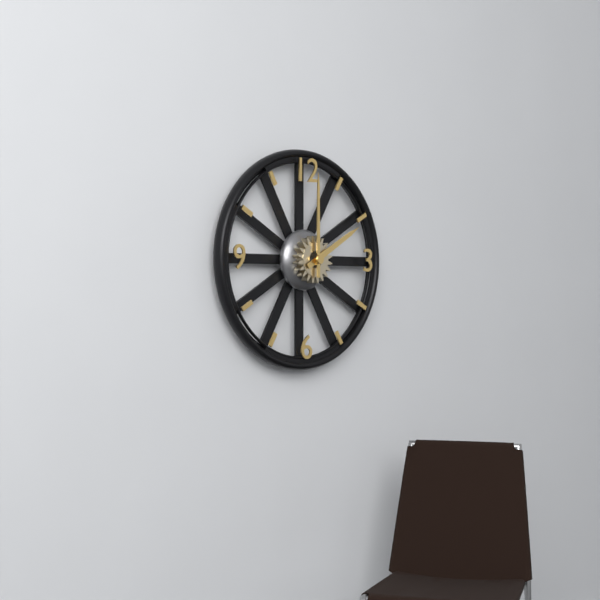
2,00
